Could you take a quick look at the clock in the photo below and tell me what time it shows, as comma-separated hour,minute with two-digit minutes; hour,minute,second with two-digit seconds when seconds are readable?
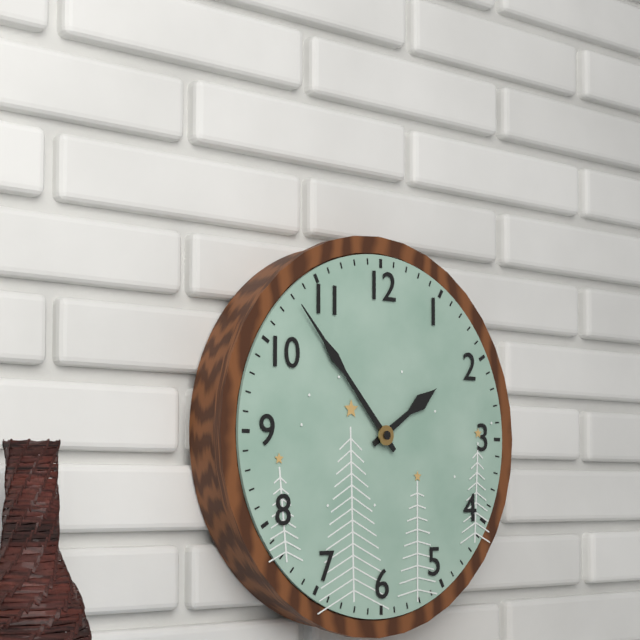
1,53
